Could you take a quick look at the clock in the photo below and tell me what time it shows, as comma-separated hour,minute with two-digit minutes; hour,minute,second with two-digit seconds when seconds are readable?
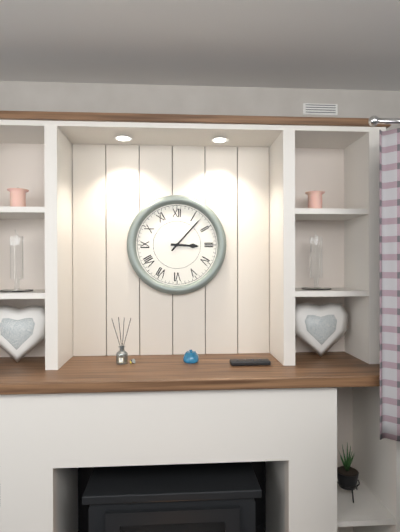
3,07
